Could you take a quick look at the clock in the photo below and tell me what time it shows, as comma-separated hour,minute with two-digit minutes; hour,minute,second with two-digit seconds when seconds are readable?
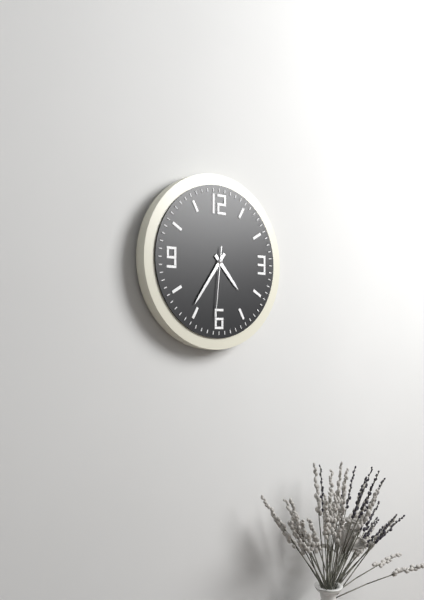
4,36,31
